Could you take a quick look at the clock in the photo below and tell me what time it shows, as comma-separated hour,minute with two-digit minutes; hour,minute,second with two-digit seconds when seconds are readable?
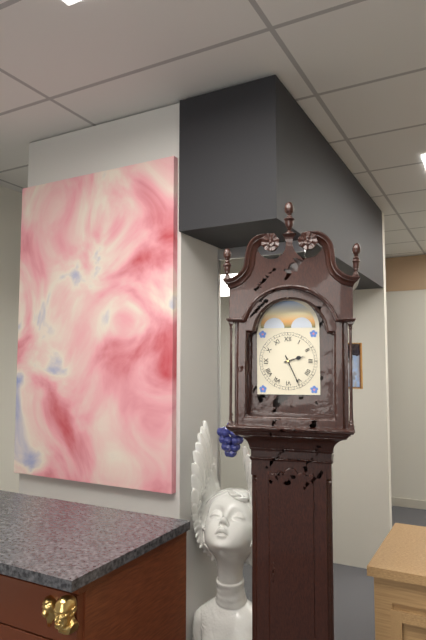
2,26
